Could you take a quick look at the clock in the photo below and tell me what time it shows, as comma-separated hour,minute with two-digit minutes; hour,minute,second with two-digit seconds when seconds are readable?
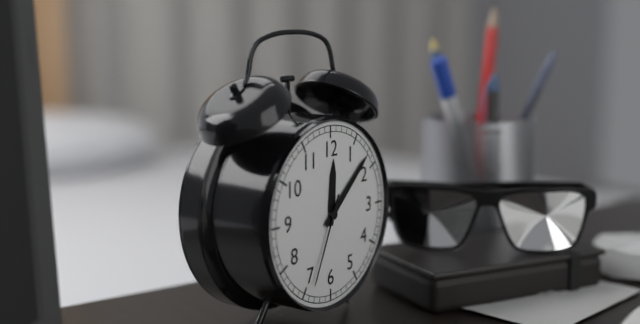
12,08,34
